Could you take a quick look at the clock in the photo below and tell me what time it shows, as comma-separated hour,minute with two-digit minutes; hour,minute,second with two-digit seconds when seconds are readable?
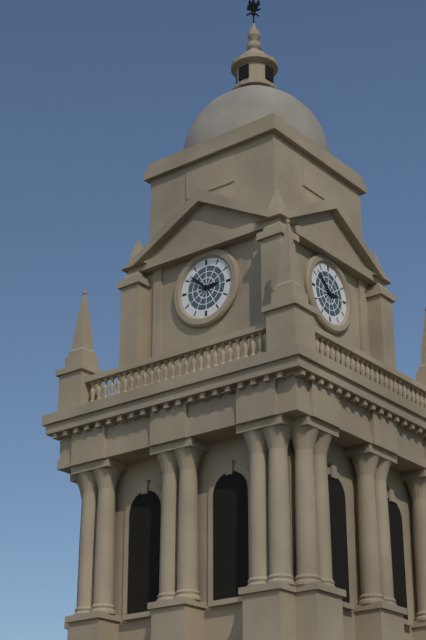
2,52
